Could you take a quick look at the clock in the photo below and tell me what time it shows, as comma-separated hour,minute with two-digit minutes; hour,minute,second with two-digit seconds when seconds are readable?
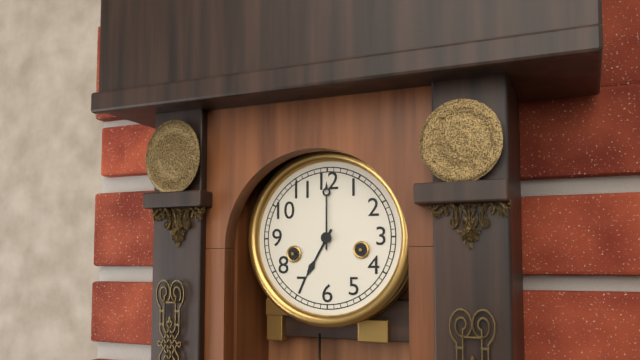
7,00
